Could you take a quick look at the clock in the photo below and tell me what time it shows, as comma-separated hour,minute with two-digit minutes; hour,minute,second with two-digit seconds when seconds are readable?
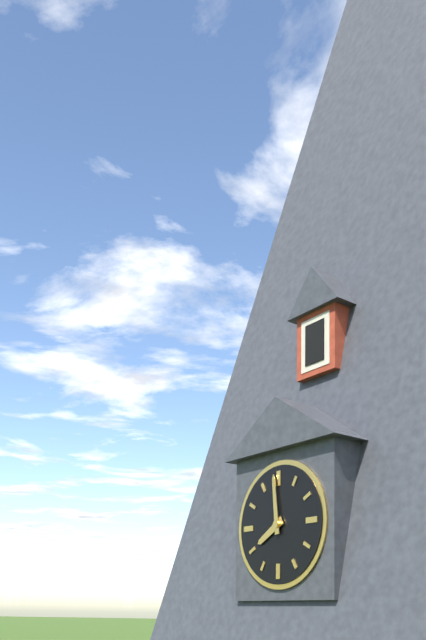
7,59
